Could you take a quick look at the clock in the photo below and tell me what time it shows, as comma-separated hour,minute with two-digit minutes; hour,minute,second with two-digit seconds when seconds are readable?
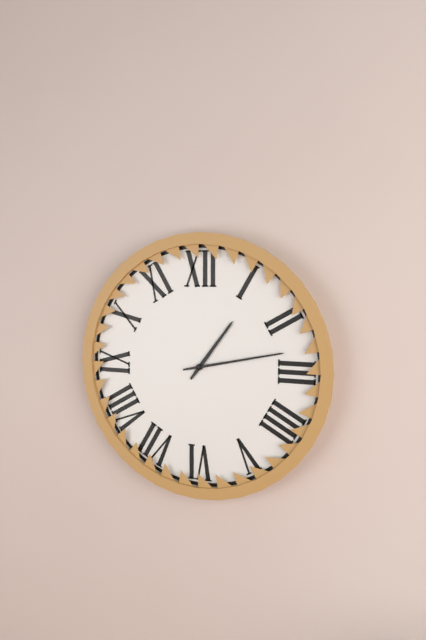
1,13
